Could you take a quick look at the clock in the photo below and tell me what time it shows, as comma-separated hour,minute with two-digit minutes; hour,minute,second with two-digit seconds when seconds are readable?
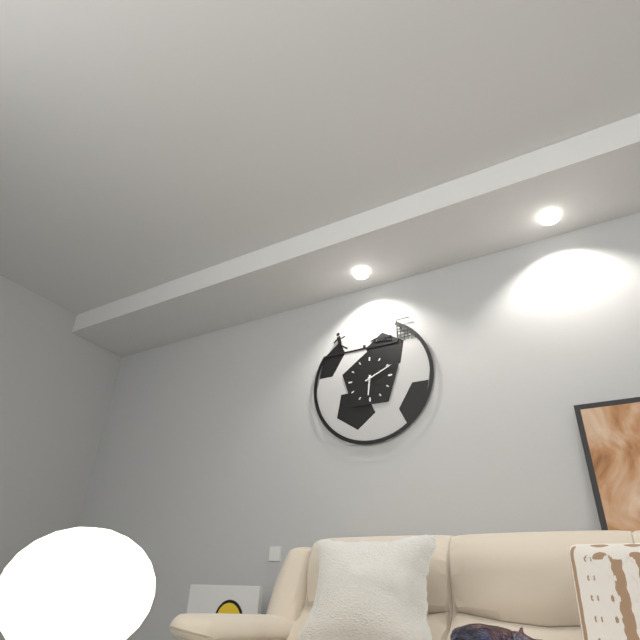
6,11
